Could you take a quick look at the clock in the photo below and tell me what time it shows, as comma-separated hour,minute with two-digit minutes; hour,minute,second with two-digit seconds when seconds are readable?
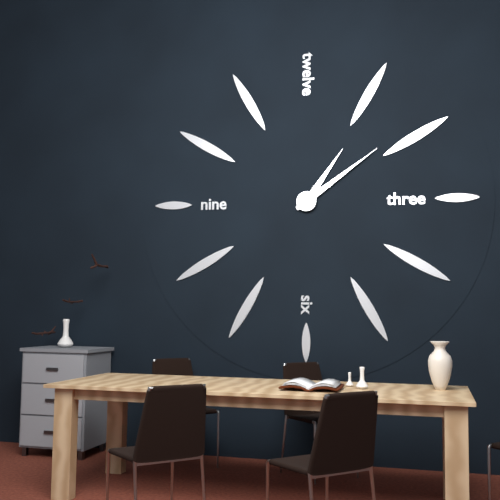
1,09
